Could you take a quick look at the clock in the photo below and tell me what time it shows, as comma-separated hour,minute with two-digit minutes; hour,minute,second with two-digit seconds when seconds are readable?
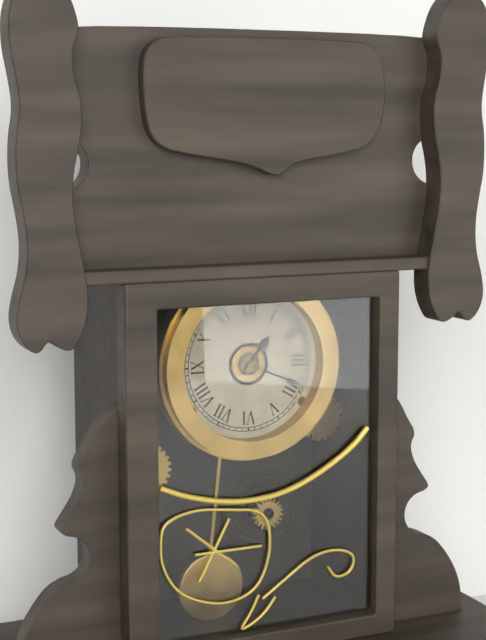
1,19
